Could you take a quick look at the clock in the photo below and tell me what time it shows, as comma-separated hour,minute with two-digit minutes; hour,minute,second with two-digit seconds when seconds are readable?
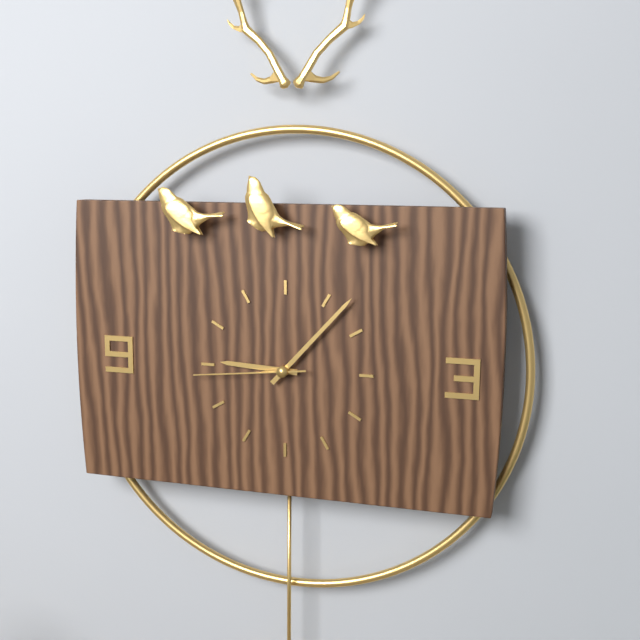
9,07,44
